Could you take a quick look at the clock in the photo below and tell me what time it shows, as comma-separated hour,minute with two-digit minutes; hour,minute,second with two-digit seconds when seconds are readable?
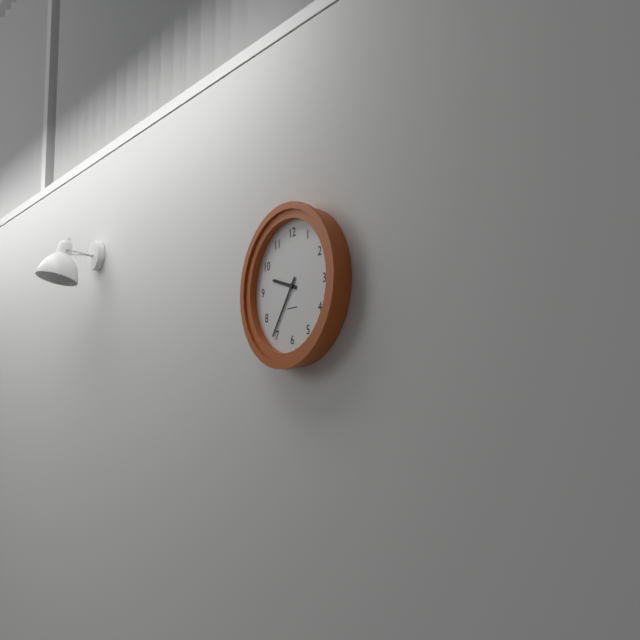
9,36
